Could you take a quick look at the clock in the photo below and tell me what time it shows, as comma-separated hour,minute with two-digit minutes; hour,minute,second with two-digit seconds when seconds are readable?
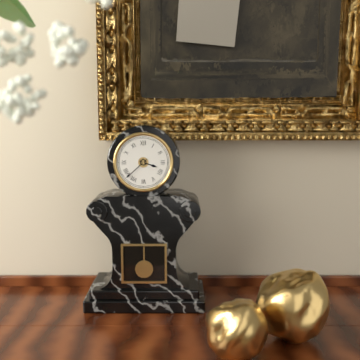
3,38
